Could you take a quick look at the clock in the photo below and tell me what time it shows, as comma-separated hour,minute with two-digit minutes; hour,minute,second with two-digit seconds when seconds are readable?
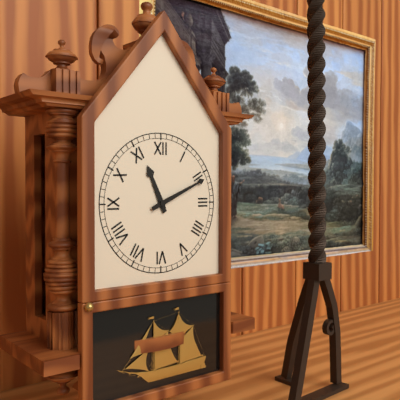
11,11
